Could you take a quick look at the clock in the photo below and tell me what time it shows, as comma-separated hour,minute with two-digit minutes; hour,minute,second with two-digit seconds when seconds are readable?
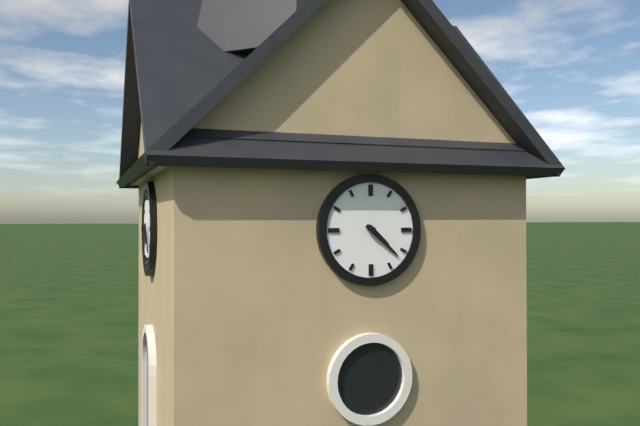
4,22
